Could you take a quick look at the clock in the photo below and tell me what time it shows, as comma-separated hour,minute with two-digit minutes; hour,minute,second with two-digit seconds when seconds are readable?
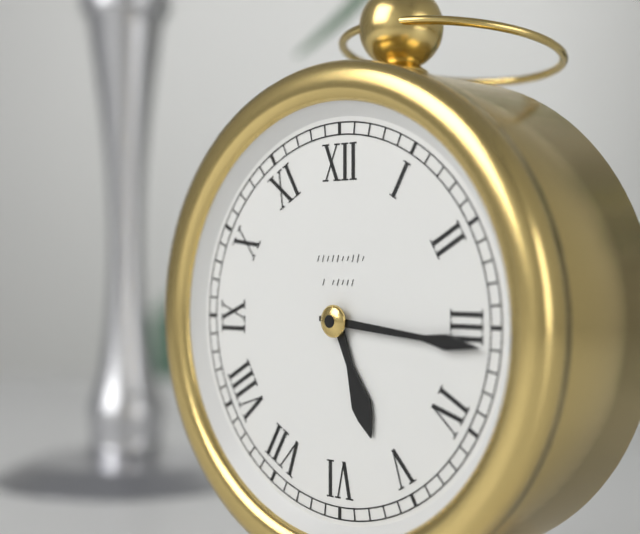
5,16
